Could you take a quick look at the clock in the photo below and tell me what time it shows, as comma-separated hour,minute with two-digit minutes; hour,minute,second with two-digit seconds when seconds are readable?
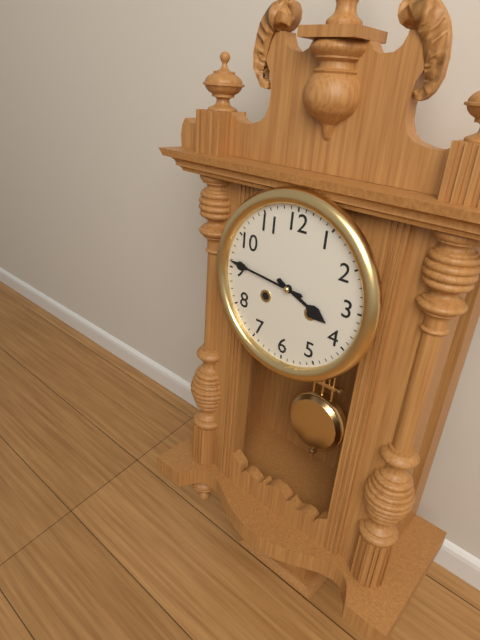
3,46
